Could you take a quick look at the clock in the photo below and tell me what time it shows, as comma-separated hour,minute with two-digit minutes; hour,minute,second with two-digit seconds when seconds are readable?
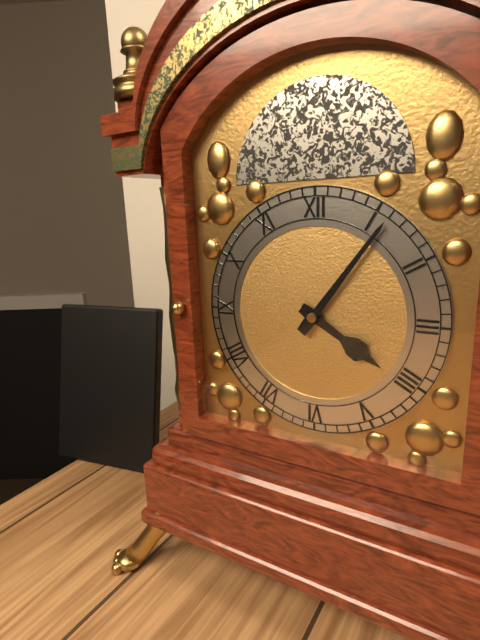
4,06
